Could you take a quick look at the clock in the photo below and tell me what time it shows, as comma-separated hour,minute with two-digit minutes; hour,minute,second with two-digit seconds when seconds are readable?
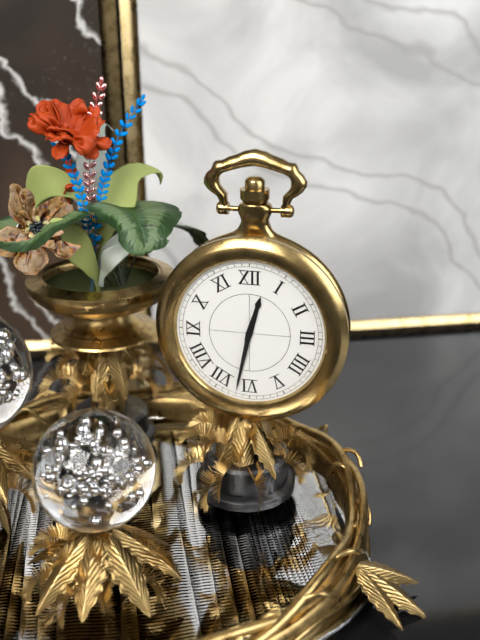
12,32
